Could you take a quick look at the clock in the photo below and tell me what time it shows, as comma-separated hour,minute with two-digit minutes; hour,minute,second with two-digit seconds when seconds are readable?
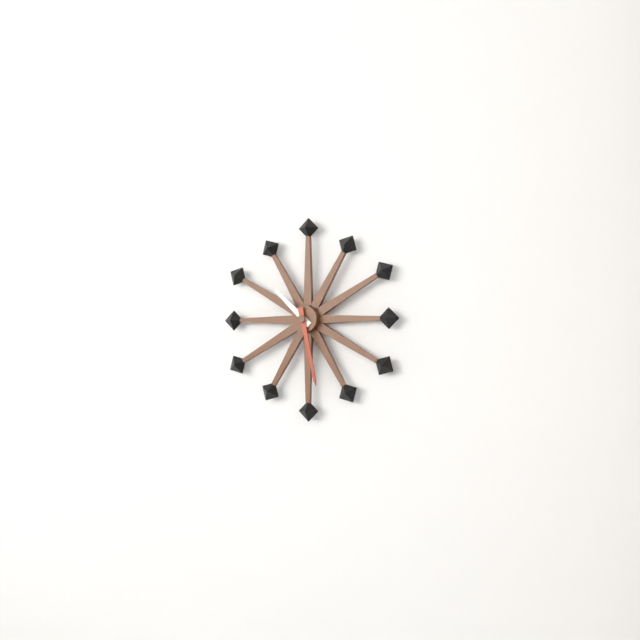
10,28
